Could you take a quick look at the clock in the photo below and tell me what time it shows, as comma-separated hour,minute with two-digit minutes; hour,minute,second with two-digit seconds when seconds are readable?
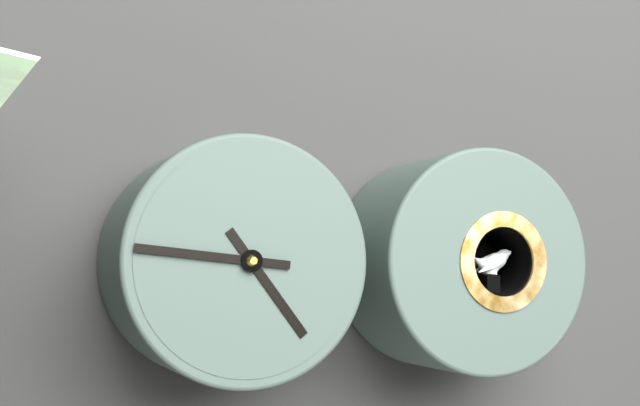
4,46
